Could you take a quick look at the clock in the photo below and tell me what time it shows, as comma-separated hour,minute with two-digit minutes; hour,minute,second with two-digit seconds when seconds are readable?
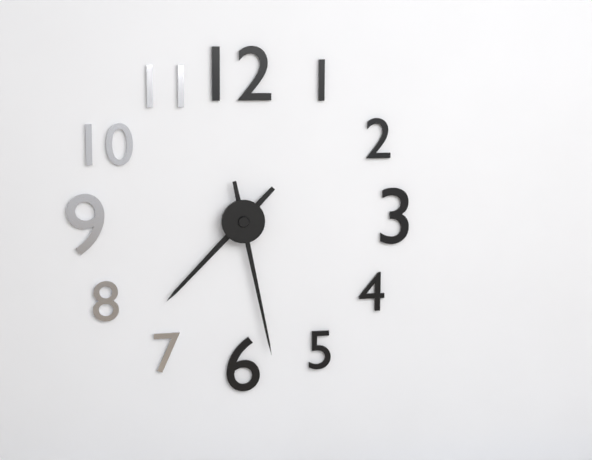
7,28
